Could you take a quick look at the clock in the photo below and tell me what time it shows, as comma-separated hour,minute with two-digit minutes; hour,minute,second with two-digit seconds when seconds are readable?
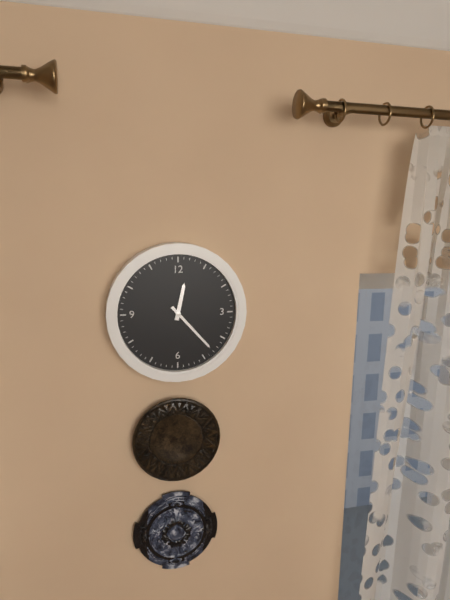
12,23
